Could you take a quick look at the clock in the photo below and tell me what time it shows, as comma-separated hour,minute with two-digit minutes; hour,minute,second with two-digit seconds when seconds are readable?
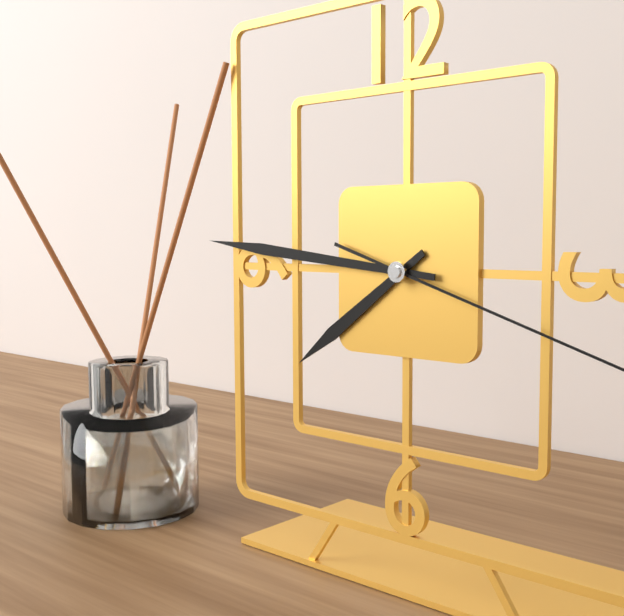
7,46
